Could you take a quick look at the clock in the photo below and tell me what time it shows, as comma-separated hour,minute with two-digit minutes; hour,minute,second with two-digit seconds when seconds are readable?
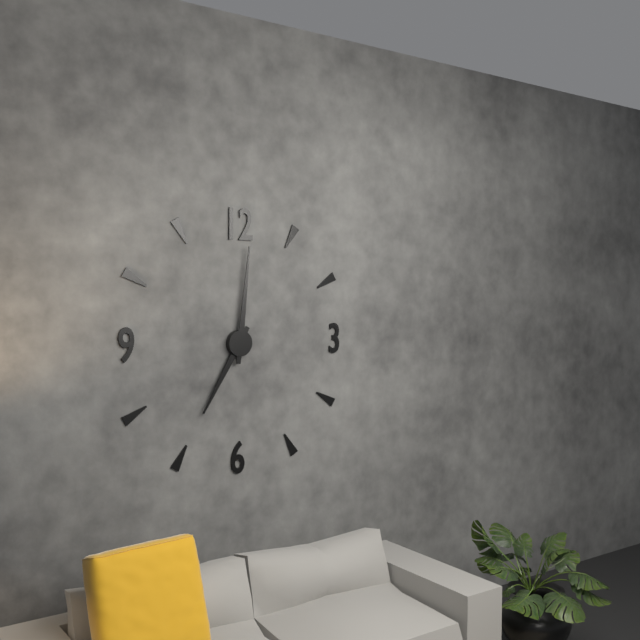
7,01
